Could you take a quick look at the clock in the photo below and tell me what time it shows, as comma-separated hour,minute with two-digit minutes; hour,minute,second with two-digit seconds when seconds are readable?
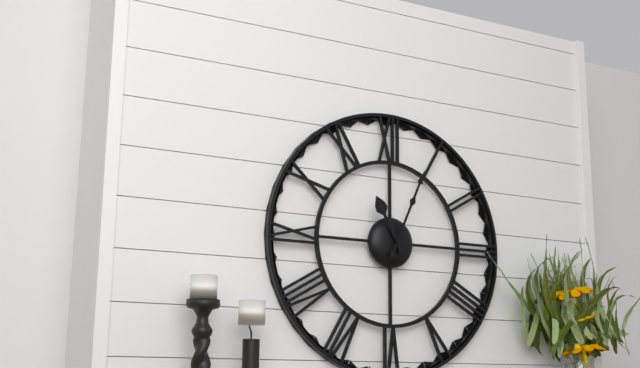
11,04
